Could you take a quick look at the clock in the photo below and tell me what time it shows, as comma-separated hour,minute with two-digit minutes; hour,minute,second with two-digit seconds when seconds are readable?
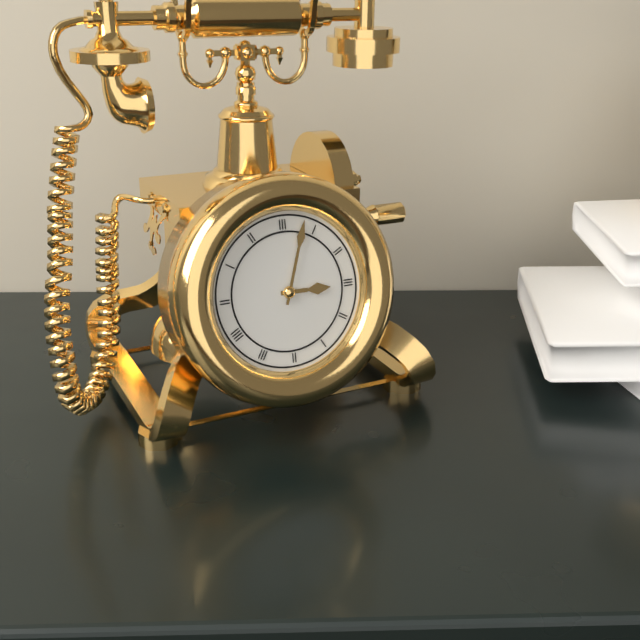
3,03
